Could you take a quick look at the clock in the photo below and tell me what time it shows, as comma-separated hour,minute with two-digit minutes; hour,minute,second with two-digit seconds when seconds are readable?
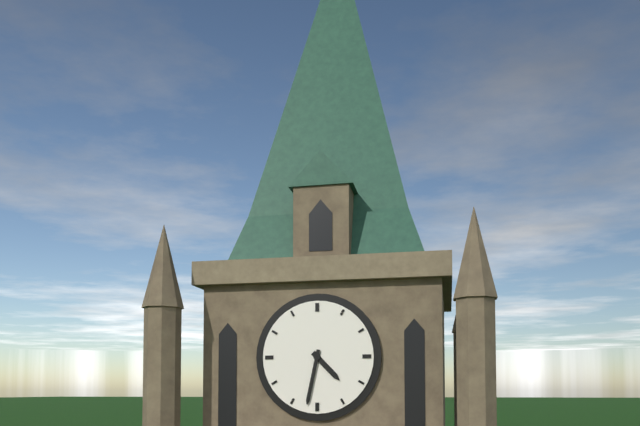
4,32
